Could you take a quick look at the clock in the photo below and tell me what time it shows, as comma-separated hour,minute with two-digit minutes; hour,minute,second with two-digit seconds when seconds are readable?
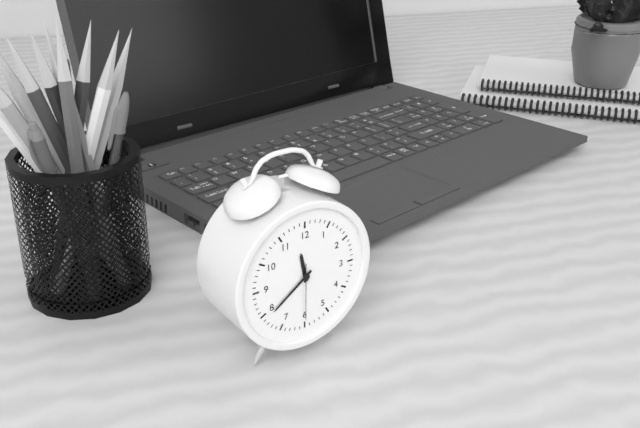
11,39,30
